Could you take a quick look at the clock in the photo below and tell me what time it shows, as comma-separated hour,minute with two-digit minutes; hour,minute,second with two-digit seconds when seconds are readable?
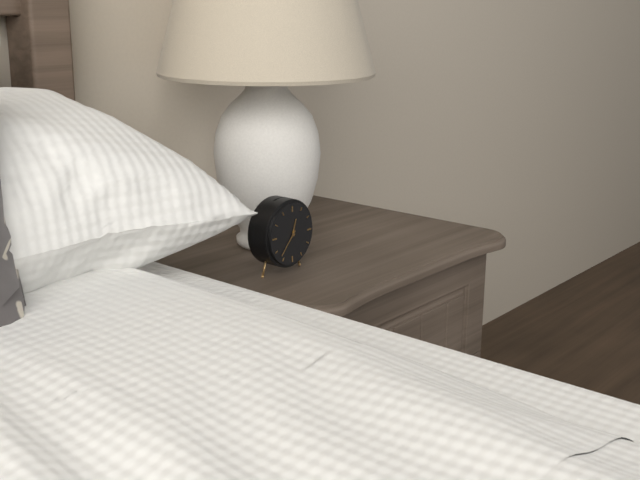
12,37
